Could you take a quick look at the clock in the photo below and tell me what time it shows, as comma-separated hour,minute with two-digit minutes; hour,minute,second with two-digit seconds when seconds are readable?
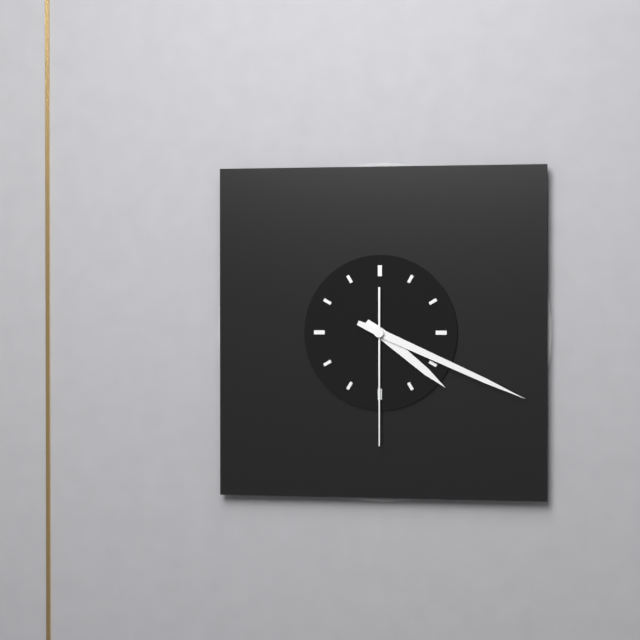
4,19,30
